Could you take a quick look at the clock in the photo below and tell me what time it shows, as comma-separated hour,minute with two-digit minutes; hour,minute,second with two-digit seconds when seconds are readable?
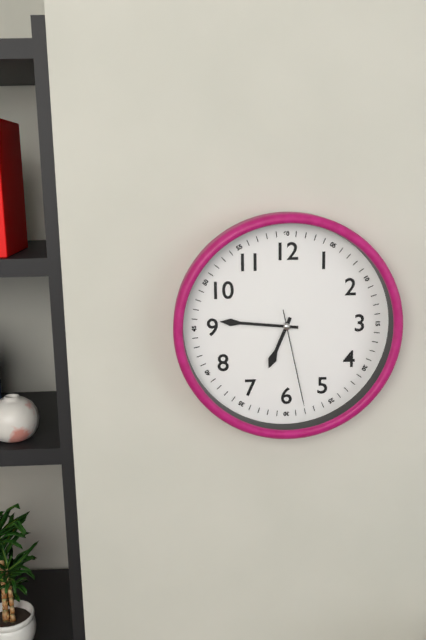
6,46,28
